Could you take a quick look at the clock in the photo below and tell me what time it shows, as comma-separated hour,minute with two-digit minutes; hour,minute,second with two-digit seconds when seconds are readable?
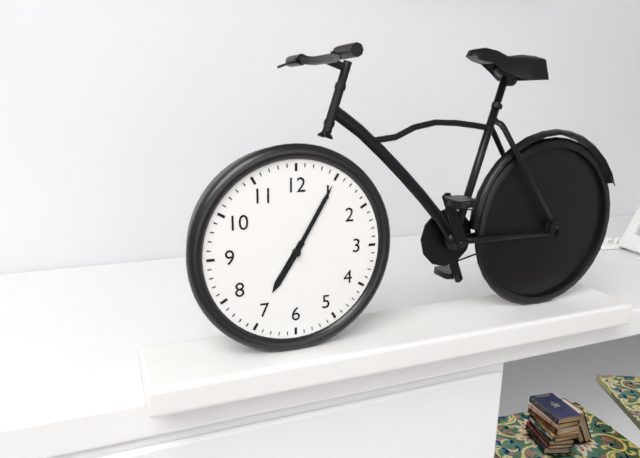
7,05
